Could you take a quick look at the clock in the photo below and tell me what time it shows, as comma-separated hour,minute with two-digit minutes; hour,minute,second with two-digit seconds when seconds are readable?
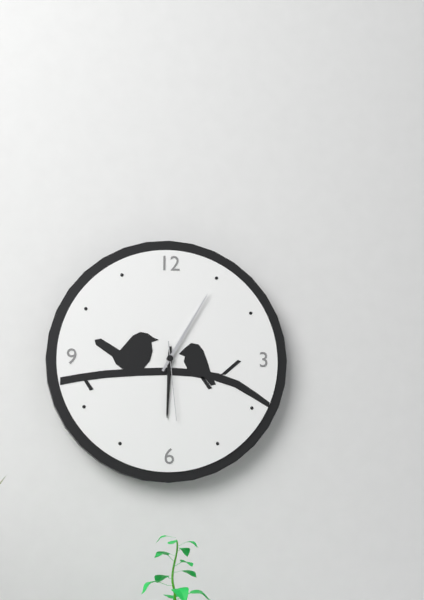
6,05,29
